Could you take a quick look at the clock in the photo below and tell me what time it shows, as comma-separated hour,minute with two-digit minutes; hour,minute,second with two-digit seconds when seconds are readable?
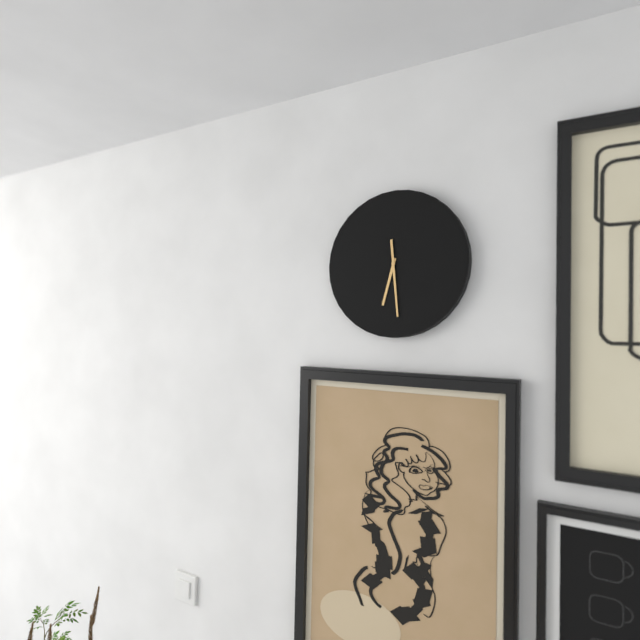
6,29
